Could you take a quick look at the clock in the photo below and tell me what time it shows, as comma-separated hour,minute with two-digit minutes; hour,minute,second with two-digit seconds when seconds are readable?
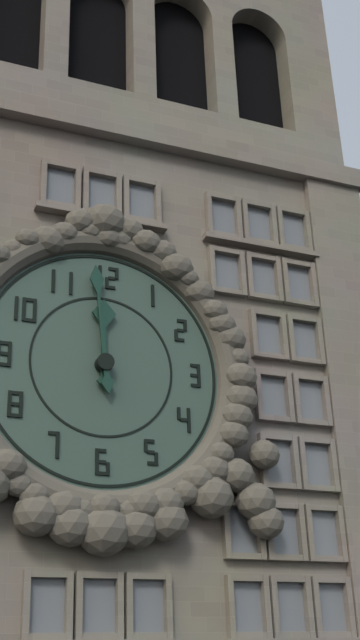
11,59
